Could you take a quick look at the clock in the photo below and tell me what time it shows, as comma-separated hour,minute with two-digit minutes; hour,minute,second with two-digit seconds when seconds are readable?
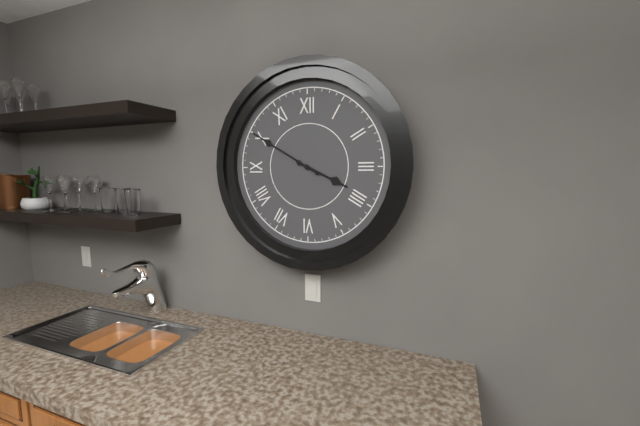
3,50
